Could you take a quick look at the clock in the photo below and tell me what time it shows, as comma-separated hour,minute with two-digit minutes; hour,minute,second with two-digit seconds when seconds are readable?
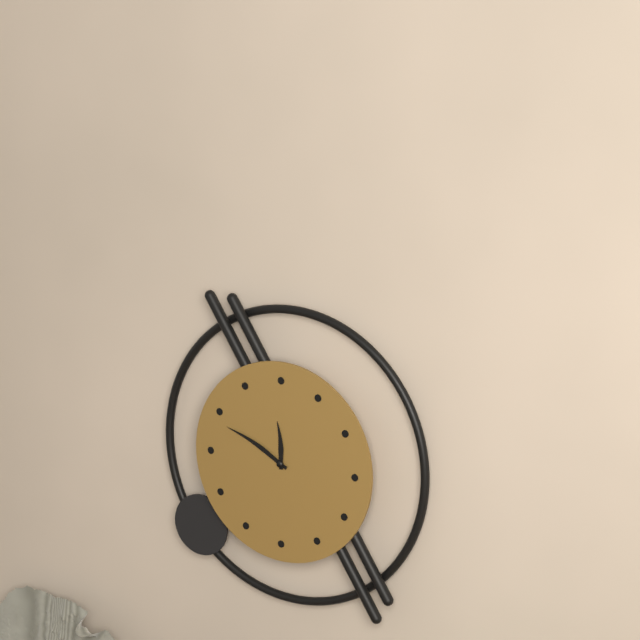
11,49
